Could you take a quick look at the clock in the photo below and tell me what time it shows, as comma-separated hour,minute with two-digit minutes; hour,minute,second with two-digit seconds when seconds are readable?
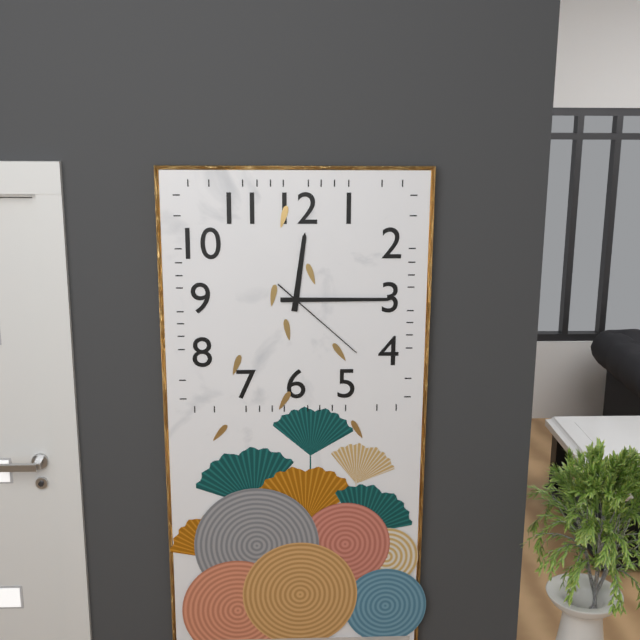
12,15,22
